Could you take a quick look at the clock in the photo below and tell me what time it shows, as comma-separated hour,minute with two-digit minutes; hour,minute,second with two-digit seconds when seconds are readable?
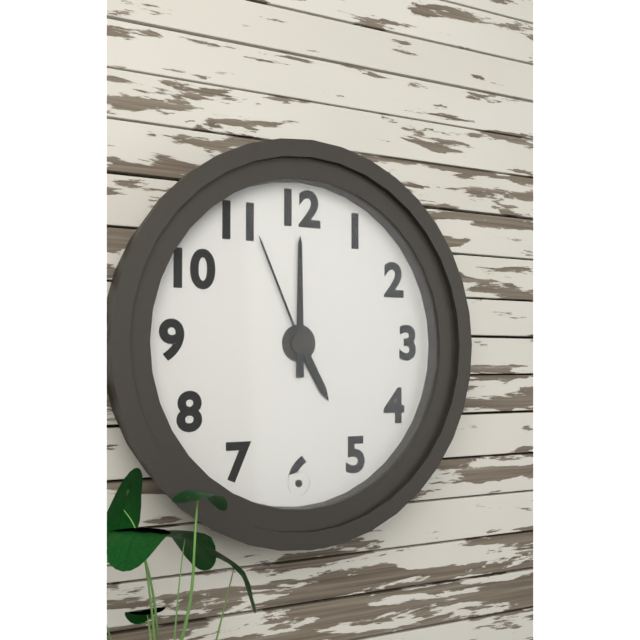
5,00,56
